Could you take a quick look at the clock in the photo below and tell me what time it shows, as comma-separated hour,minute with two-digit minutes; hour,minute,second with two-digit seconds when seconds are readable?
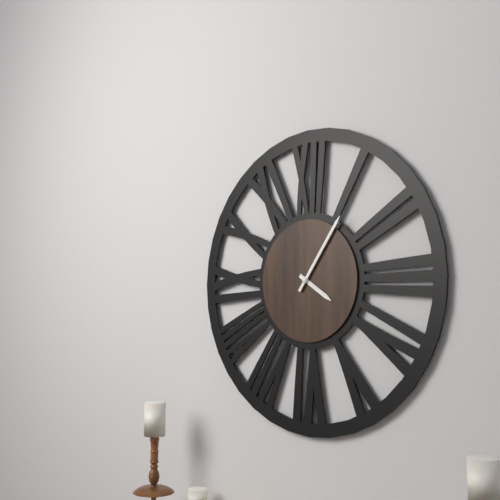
4,06
